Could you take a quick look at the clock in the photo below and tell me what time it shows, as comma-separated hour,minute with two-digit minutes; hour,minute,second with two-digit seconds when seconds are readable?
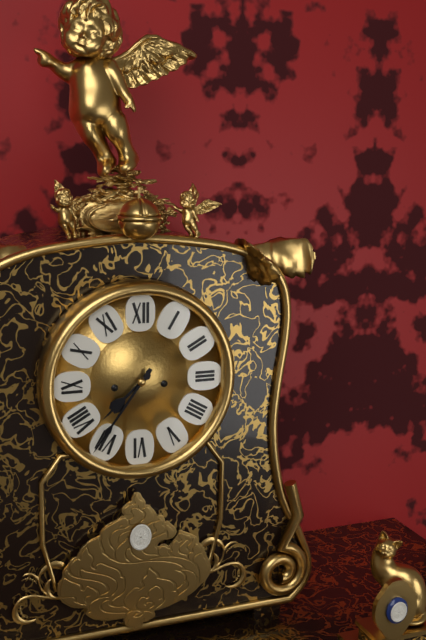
7,36
